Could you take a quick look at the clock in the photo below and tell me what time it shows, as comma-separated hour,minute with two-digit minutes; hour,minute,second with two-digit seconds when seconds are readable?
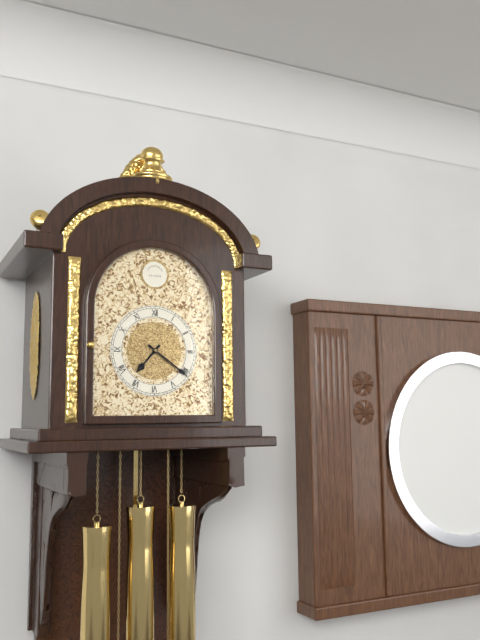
7,21
